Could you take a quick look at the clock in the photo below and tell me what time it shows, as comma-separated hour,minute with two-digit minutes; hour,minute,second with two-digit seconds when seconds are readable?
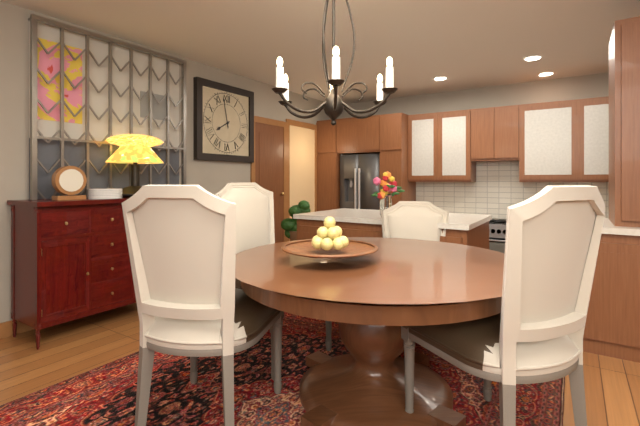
7,58
